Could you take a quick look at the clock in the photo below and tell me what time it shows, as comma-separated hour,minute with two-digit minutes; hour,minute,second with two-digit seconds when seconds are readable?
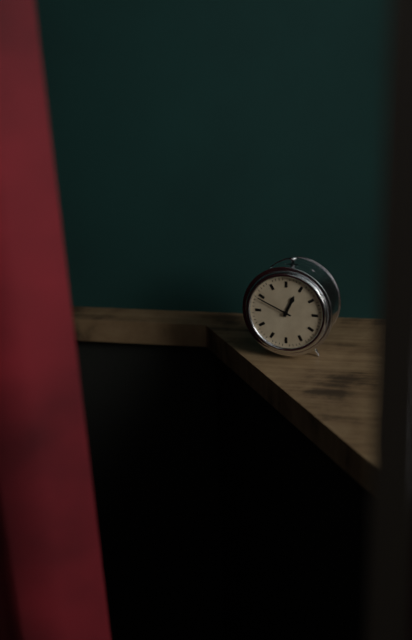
12,49
